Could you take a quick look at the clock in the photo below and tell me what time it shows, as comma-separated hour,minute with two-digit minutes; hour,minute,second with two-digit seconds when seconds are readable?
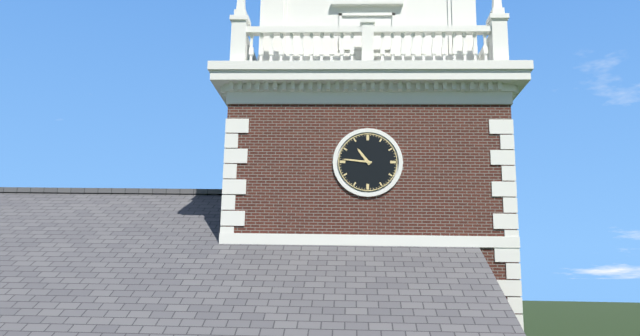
10,46
